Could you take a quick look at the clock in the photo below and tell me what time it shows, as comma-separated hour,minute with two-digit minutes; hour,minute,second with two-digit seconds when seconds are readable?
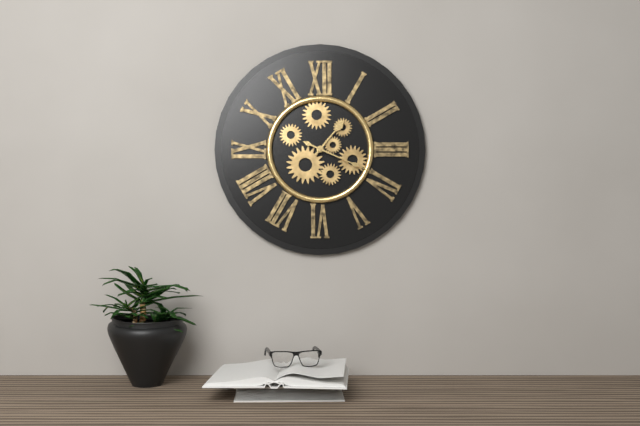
1,19
